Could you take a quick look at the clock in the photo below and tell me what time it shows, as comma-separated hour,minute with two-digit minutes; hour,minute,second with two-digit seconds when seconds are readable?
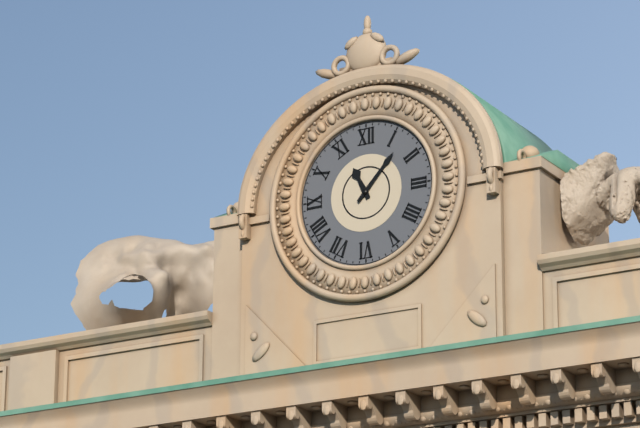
11,07
